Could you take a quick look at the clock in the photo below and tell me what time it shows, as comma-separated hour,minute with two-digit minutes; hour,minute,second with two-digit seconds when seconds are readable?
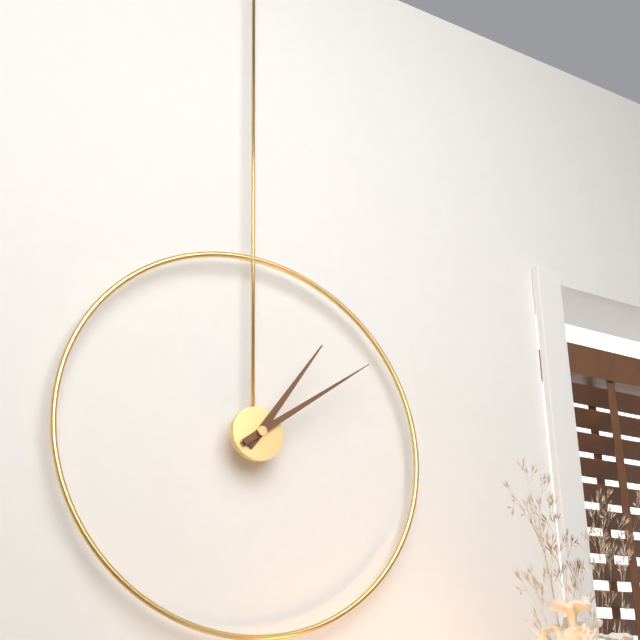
1,09
